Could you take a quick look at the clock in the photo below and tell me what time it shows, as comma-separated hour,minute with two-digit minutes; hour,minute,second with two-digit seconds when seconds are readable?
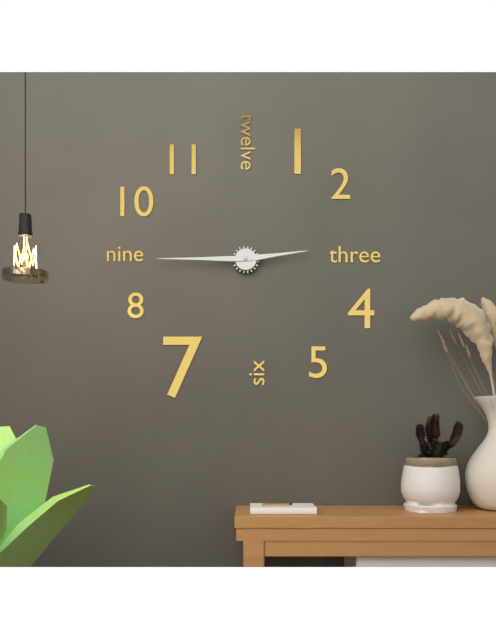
2,45
